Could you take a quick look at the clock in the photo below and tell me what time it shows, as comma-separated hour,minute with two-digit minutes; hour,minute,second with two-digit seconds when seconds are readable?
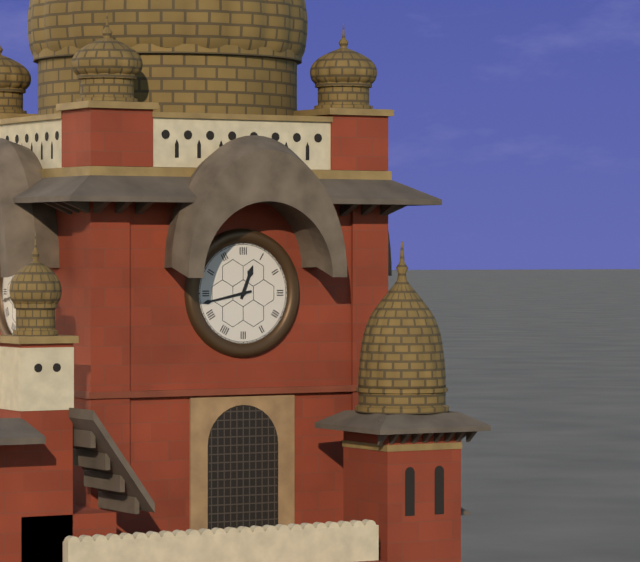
12,43
